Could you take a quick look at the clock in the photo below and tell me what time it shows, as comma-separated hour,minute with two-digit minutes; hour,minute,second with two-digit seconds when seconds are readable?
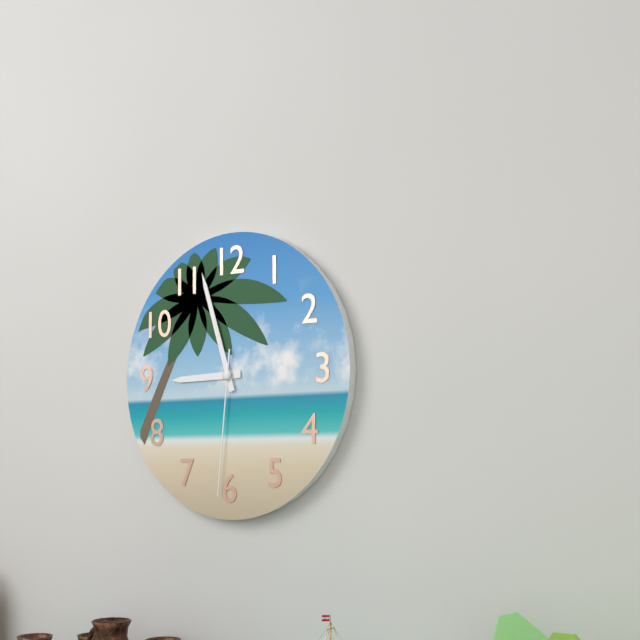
8,57,31
